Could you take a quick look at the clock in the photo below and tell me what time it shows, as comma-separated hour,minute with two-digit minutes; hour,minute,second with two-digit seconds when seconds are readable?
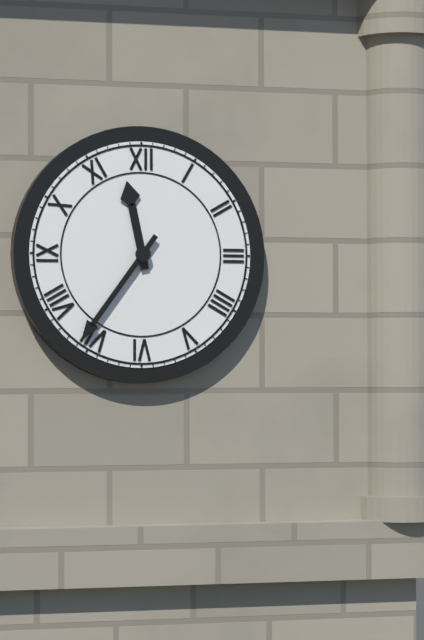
11,36
